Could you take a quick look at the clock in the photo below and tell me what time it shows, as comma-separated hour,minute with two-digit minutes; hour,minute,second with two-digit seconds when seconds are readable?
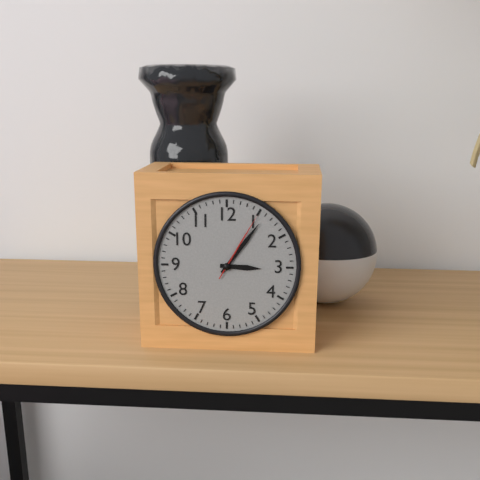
3,06,05
